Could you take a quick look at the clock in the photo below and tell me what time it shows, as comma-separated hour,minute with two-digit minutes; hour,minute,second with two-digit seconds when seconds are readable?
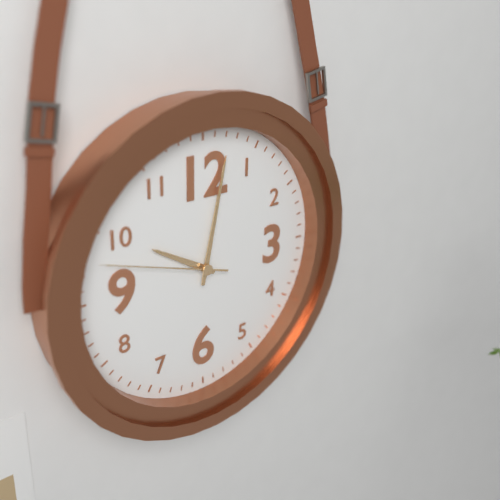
10,02,48
